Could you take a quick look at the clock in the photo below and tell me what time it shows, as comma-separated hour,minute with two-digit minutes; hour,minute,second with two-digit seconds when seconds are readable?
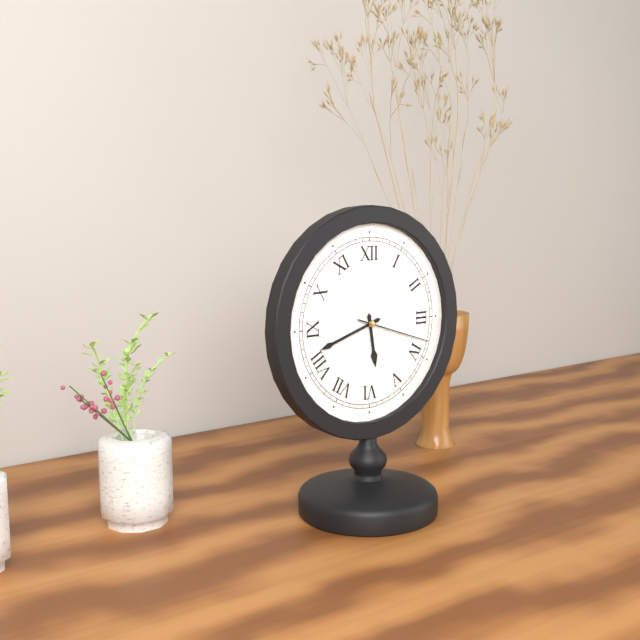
5,42,18
